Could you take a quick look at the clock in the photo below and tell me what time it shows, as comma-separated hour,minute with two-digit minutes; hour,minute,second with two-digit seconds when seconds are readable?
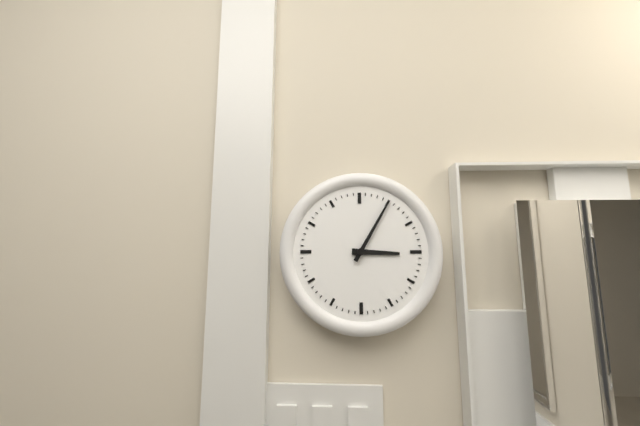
3,05
